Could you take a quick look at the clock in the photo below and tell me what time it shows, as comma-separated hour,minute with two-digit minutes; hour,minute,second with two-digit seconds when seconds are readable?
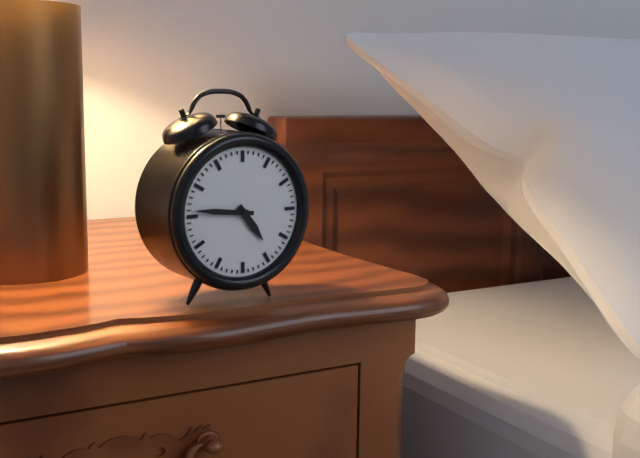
4,46
